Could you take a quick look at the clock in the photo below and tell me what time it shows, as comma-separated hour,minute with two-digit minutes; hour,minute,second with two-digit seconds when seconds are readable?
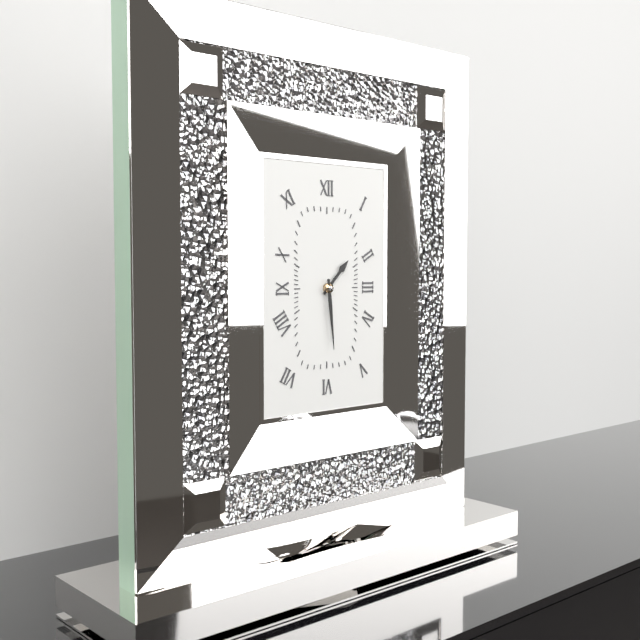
1,29
